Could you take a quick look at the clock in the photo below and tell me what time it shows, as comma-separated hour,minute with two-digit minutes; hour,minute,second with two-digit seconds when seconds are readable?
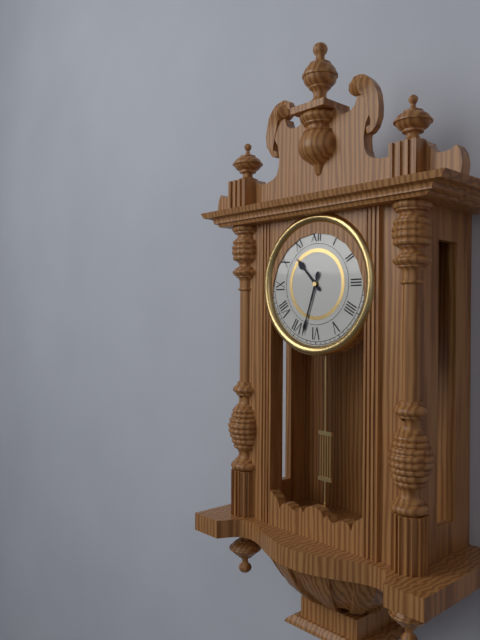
10,33
